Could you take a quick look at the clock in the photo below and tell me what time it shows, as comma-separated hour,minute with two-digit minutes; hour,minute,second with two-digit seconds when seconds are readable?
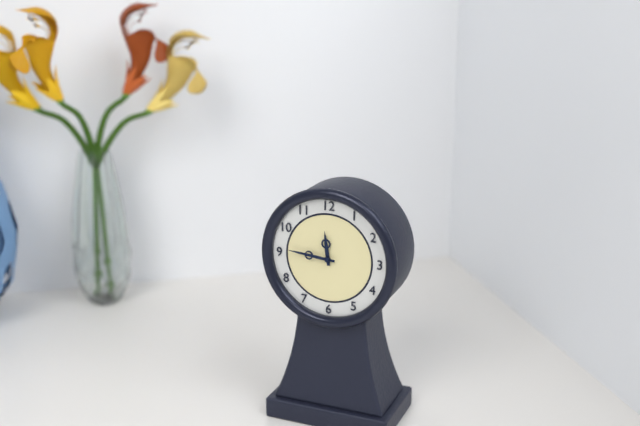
11,46
